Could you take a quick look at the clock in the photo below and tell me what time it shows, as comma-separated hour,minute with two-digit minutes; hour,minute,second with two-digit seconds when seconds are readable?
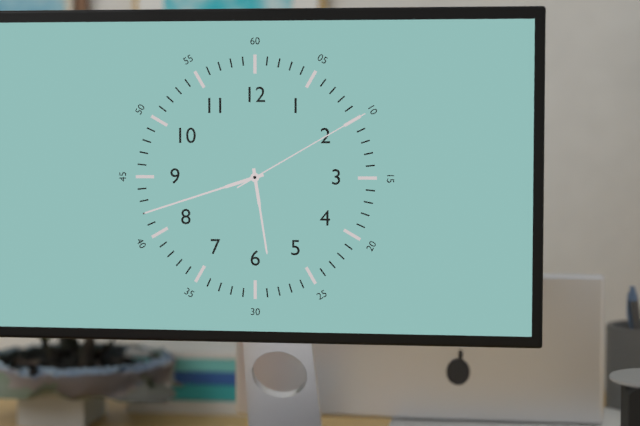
5,42,10
